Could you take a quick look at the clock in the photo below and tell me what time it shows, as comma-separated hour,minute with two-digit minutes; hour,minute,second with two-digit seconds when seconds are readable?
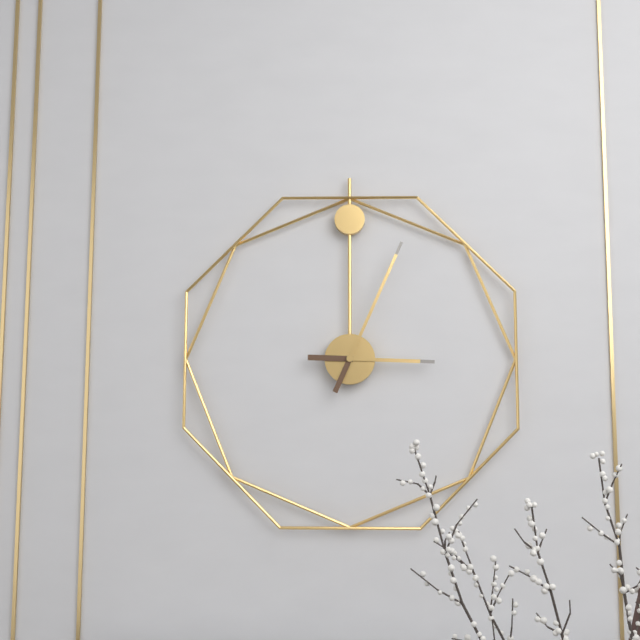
3,04
